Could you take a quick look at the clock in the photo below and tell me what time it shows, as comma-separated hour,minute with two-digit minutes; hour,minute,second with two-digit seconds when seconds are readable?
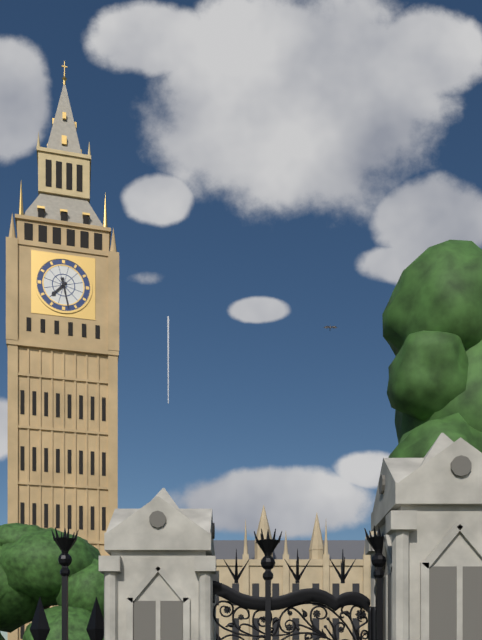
7,28
